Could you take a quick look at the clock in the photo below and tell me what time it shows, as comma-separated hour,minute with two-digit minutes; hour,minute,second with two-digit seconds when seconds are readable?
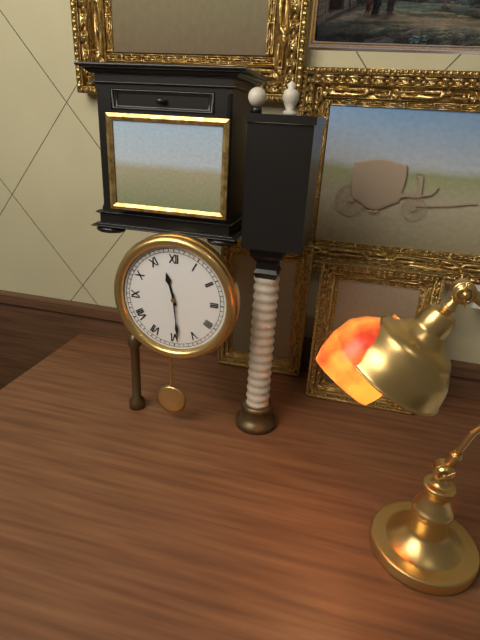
11,29
